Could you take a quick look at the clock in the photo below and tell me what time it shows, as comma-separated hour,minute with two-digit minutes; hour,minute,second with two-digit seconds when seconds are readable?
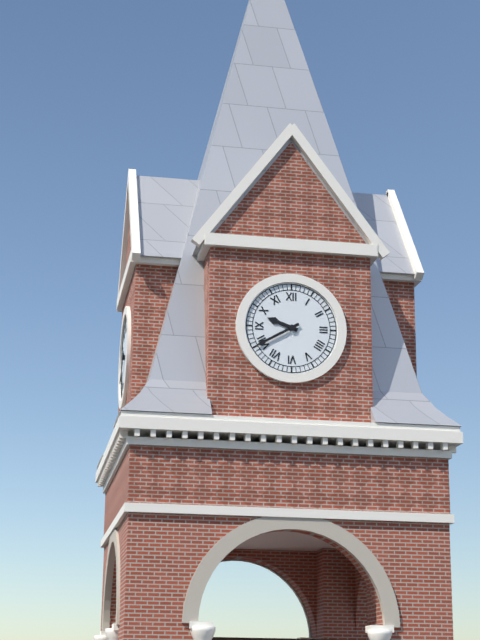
9,40
